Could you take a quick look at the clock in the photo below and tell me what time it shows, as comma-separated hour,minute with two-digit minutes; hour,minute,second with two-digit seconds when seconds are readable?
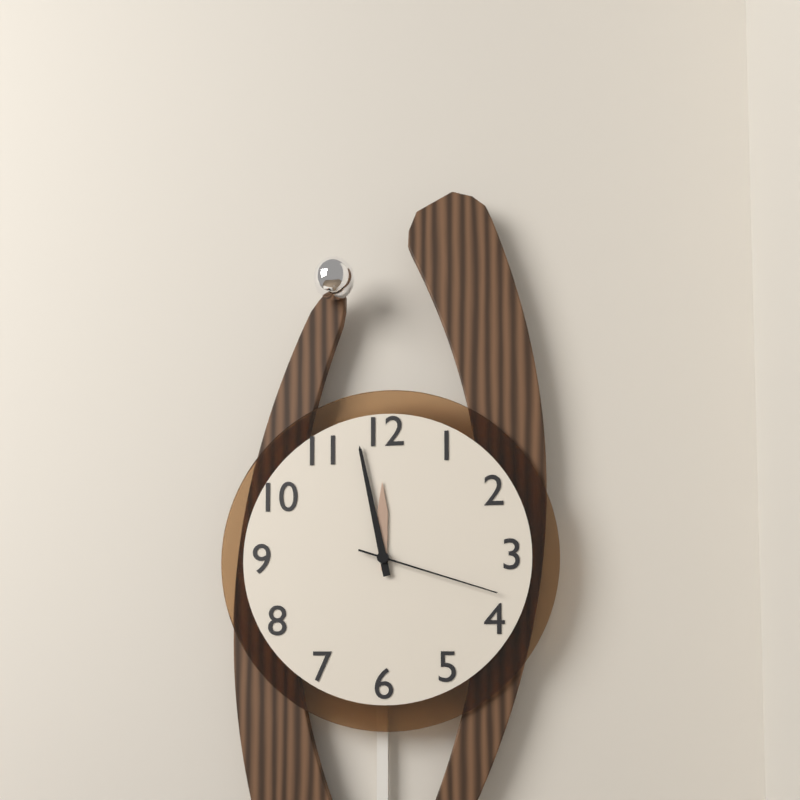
11,58,18
